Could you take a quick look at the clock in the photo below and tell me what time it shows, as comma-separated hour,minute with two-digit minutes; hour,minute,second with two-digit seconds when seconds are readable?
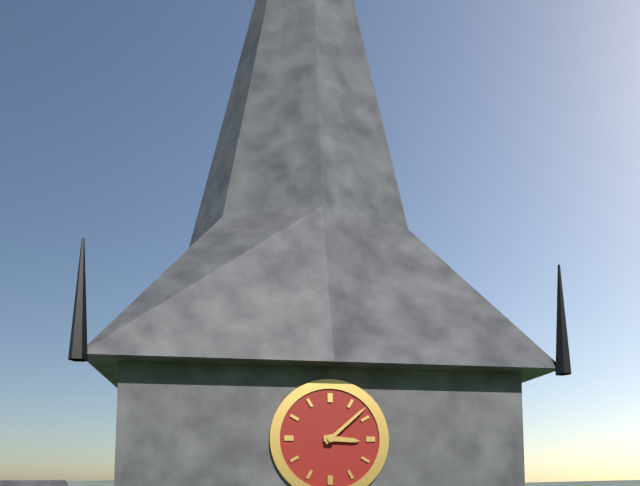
3,08
